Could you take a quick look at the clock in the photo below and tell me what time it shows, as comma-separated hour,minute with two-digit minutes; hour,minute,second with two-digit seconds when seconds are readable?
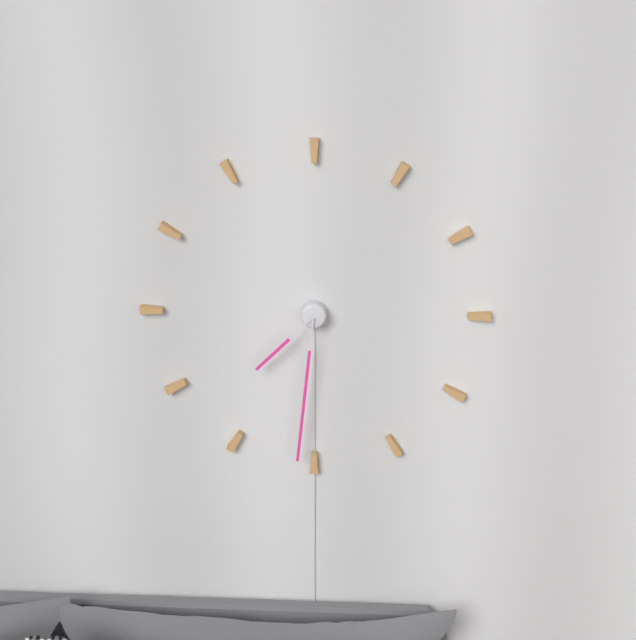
7,31
